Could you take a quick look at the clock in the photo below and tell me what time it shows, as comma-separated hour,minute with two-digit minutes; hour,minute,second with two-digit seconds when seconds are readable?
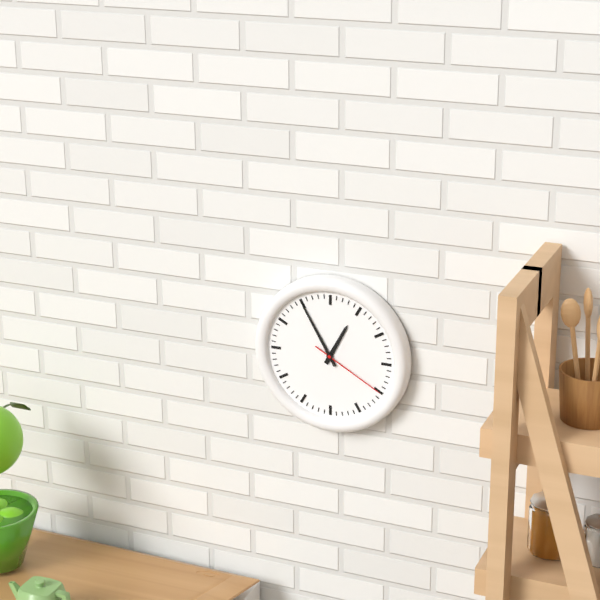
12,55,20
